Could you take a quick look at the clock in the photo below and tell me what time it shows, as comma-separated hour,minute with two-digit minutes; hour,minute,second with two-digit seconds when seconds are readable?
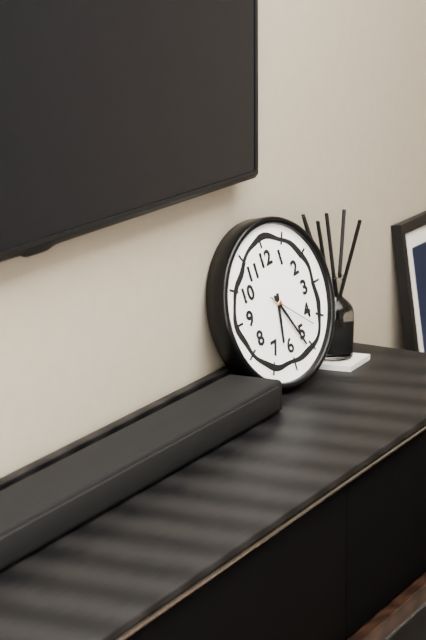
6,26,22
